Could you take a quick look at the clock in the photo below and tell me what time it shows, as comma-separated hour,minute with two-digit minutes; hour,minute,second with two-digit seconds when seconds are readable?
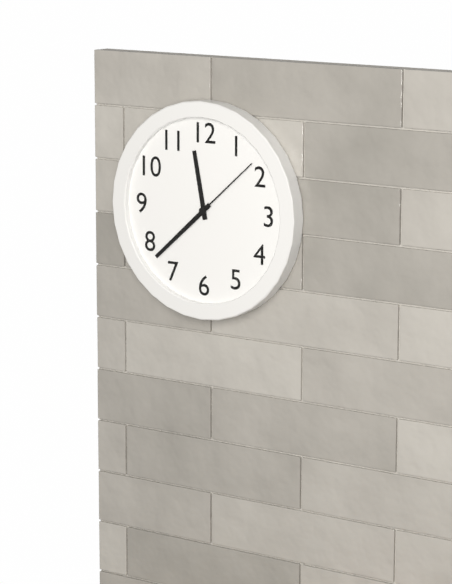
11,38,08
